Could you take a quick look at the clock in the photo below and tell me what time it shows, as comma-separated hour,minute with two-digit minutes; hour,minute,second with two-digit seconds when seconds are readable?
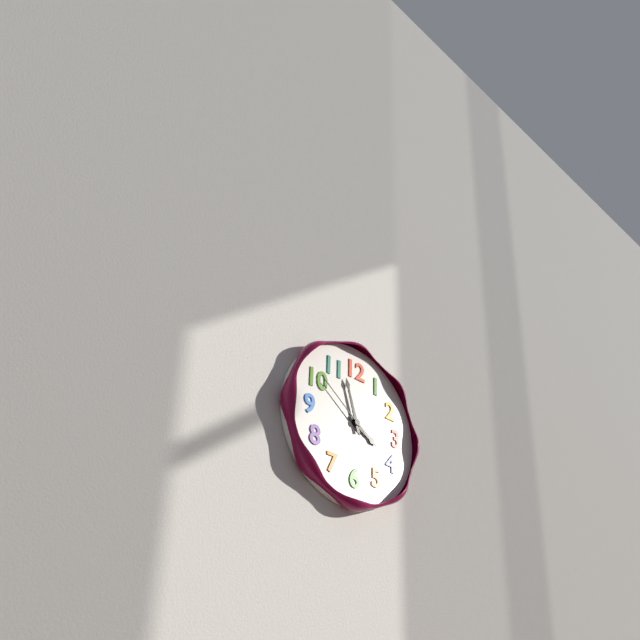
3,57,51
